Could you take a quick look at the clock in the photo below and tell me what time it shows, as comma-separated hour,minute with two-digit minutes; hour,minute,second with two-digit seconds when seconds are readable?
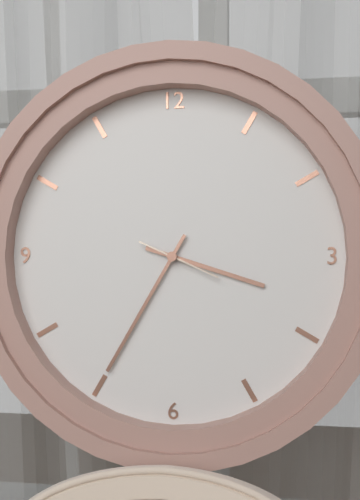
3,35,19
